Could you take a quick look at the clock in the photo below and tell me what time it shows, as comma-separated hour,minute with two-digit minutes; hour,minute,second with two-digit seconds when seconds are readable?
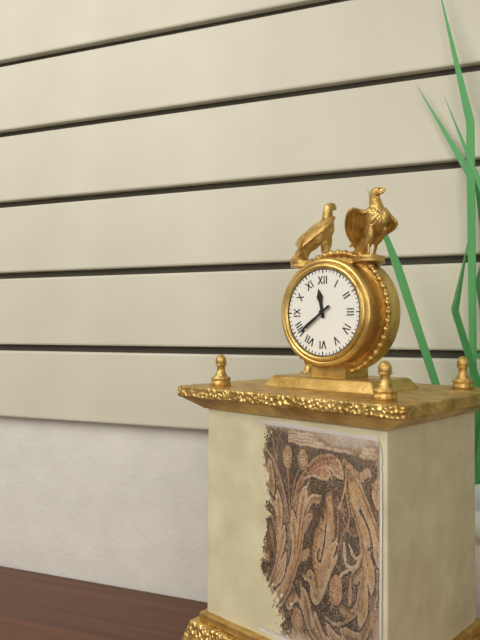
11,39
